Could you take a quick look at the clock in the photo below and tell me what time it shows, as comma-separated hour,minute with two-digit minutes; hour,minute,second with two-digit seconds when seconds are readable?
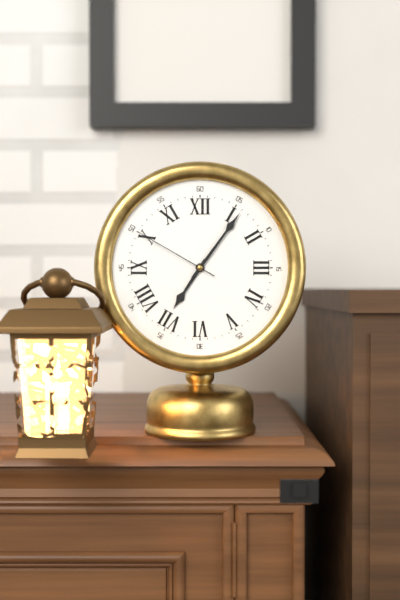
7,06,50
